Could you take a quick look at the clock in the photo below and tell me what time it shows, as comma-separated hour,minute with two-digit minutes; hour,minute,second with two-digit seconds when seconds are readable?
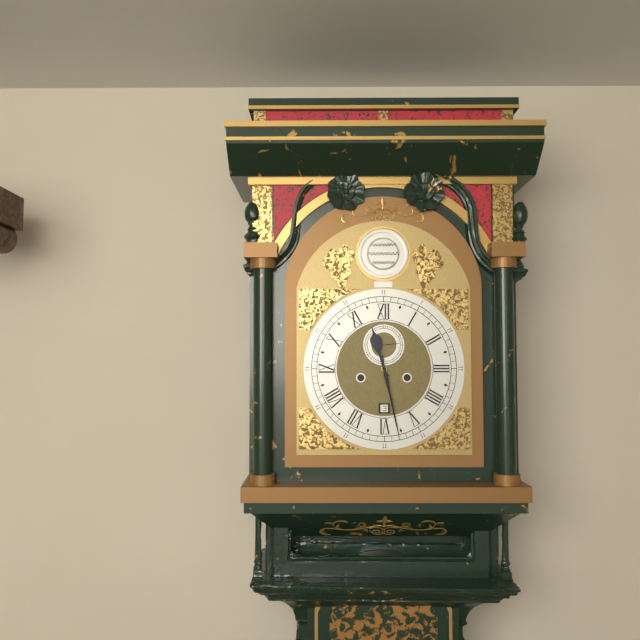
11,28
